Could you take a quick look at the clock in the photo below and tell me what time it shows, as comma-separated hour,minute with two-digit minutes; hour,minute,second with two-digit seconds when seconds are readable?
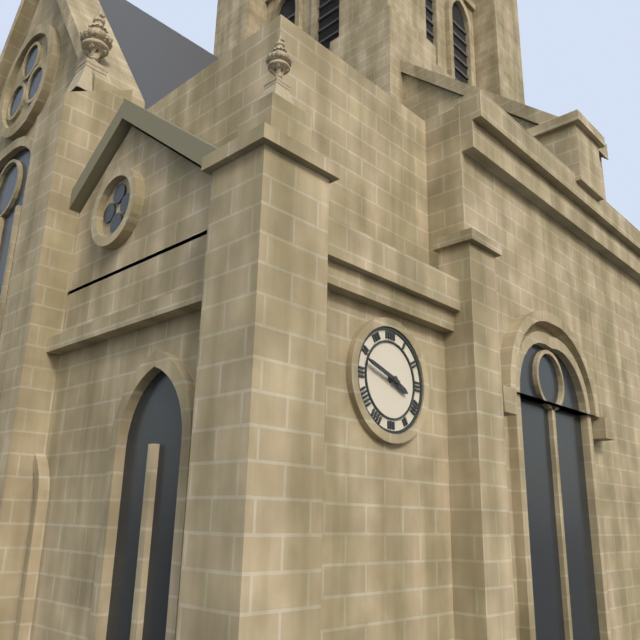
3,48
